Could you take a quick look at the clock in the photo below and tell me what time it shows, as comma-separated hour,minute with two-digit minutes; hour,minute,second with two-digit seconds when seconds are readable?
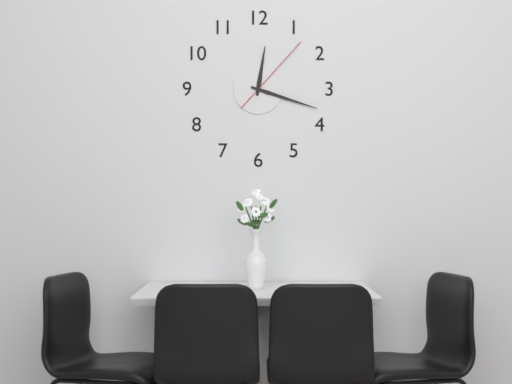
12,18,07
